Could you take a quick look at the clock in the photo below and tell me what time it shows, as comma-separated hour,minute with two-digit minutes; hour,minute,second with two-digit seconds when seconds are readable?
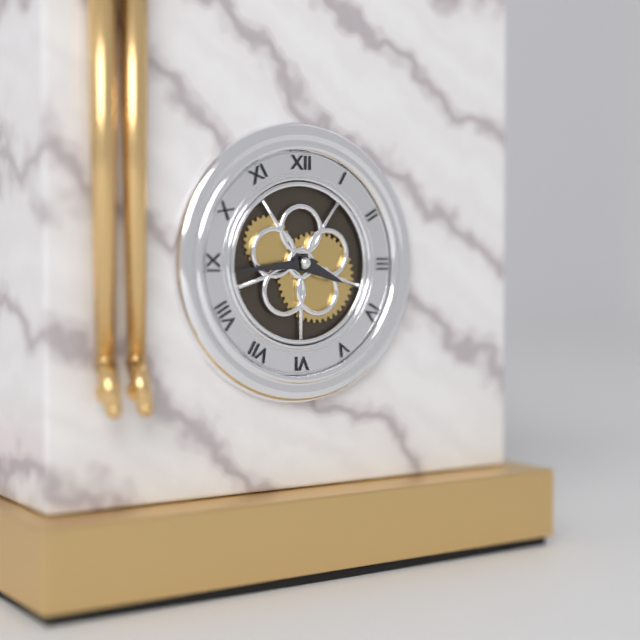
3,44
